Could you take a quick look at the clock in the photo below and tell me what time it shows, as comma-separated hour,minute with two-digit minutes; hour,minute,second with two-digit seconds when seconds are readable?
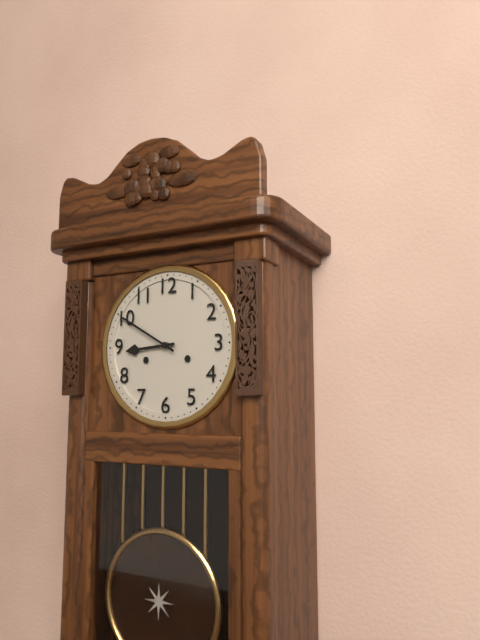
8,50
